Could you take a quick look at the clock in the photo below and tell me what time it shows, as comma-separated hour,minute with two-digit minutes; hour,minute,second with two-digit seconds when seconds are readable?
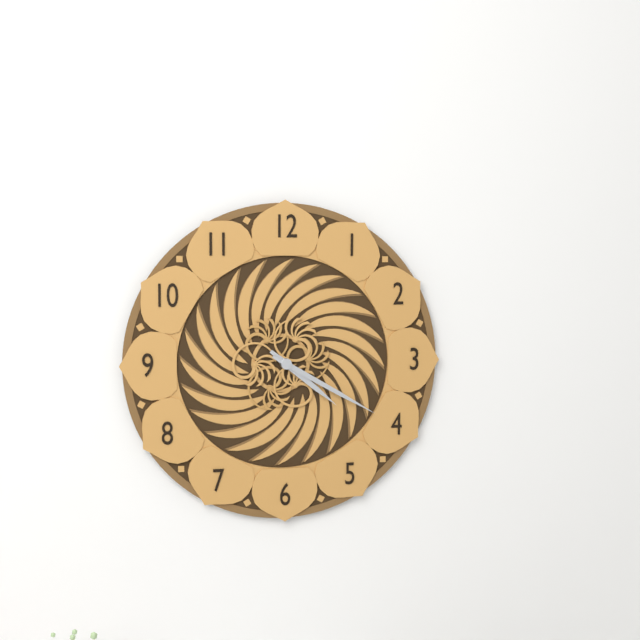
4,20
